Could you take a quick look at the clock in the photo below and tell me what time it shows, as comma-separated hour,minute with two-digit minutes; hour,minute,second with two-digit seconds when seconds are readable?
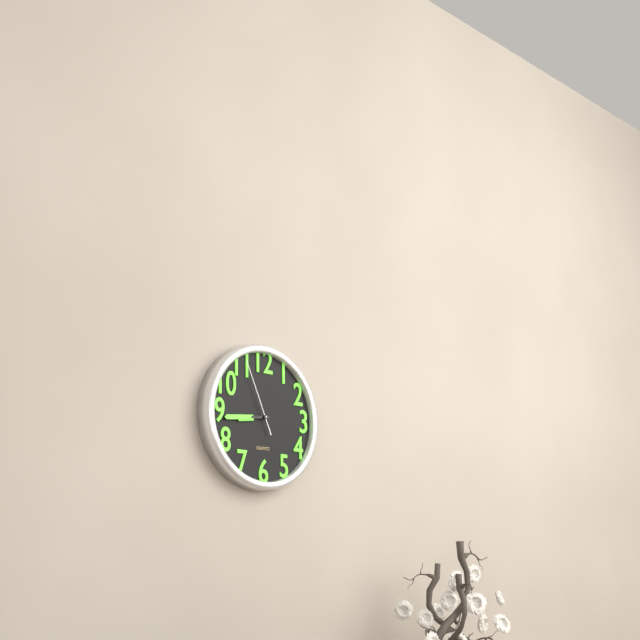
8,44,56
